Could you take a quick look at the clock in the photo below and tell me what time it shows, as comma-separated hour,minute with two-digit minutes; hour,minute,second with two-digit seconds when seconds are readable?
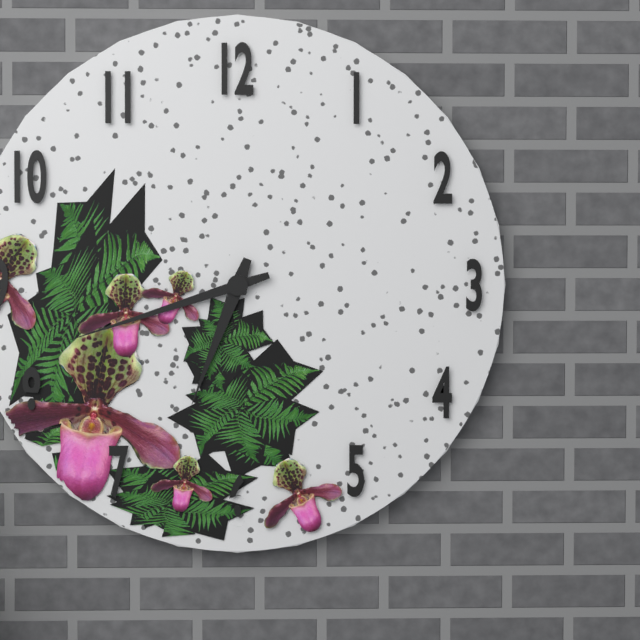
6,42
